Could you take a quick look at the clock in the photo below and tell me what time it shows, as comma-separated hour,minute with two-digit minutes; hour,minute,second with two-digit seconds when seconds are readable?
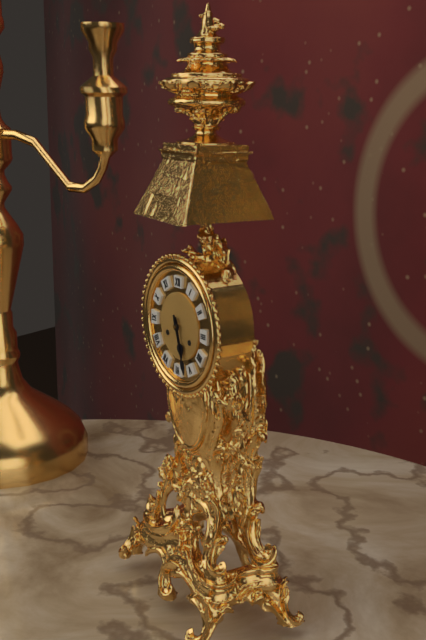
5,27
